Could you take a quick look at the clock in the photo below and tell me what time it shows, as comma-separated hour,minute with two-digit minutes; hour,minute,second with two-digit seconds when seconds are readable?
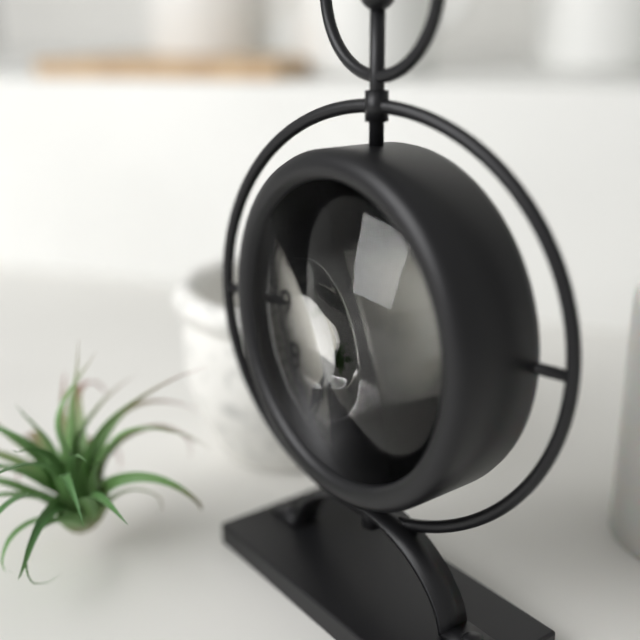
4,35
